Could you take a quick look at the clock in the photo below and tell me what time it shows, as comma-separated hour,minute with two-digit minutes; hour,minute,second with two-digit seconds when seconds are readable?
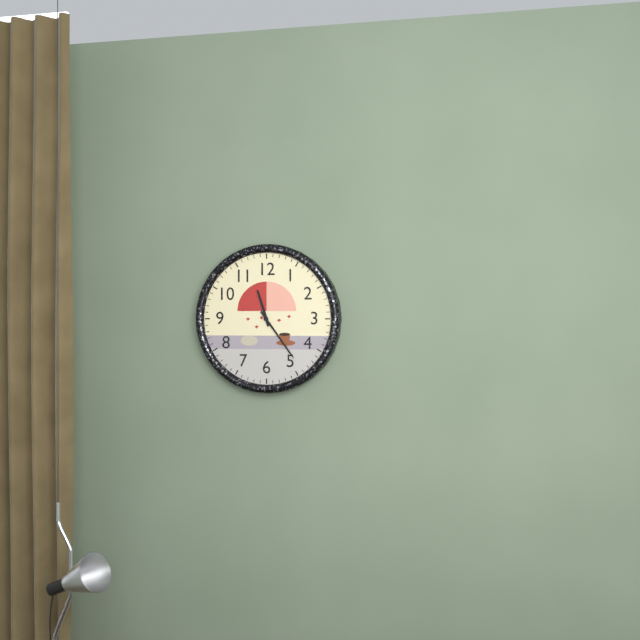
11,24
